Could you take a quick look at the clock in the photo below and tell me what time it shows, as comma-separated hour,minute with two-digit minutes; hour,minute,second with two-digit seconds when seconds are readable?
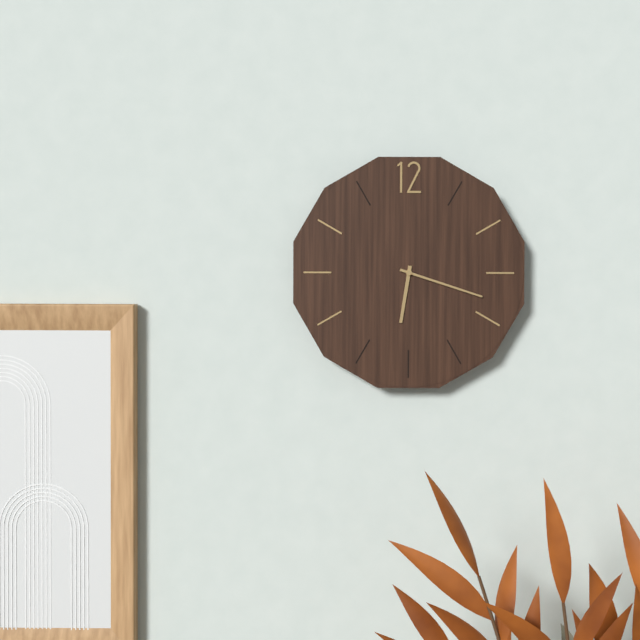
6,18
